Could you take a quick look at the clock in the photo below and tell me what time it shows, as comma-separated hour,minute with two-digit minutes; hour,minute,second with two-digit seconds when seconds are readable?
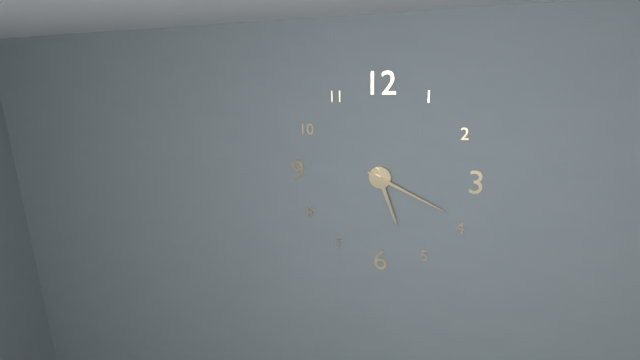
5,19
